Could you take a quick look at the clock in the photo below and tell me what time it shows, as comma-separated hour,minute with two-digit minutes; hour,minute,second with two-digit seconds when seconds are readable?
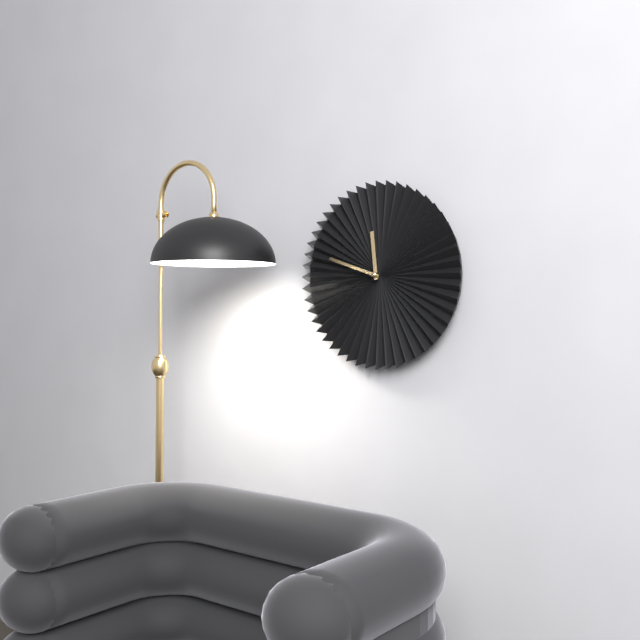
11,48
